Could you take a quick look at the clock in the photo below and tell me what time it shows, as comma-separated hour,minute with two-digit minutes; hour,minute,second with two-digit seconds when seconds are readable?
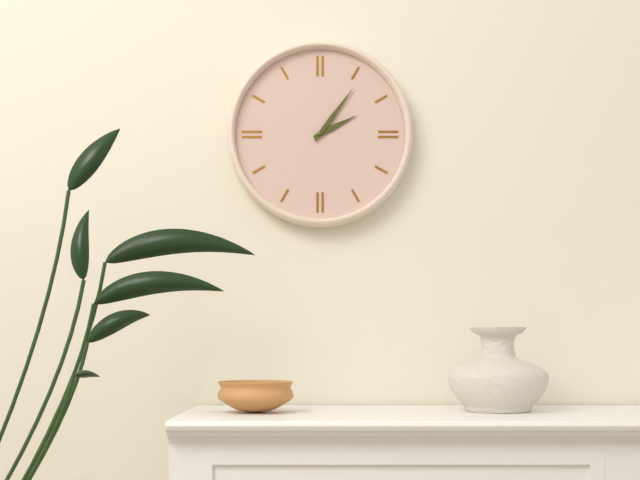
2,06
